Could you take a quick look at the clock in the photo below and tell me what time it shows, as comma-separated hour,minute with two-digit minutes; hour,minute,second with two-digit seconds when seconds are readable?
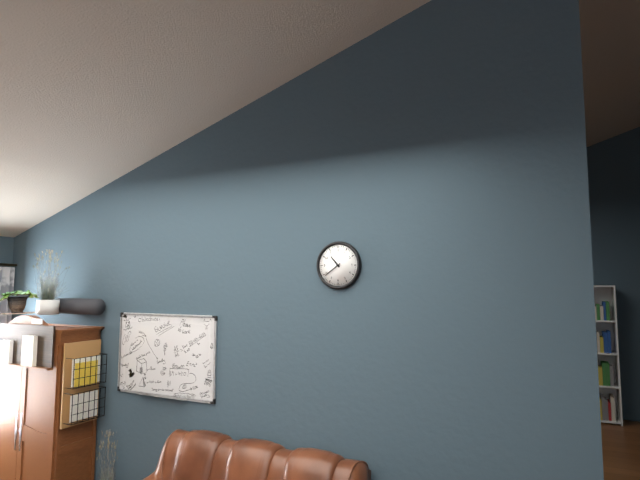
10,39
